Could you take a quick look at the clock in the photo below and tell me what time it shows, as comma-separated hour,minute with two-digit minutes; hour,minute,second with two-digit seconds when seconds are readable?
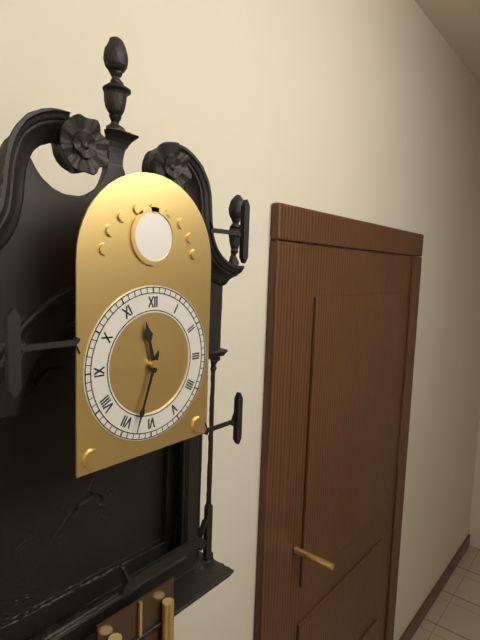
11,33
